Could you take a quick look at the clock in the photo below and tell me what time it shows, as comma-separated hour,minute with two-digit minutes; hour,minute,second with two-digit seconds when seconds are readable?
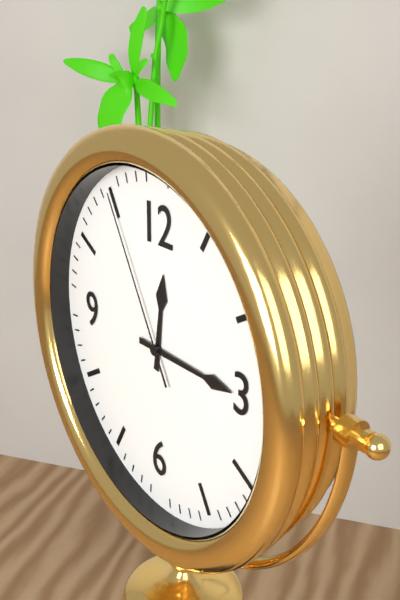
12,15,55
